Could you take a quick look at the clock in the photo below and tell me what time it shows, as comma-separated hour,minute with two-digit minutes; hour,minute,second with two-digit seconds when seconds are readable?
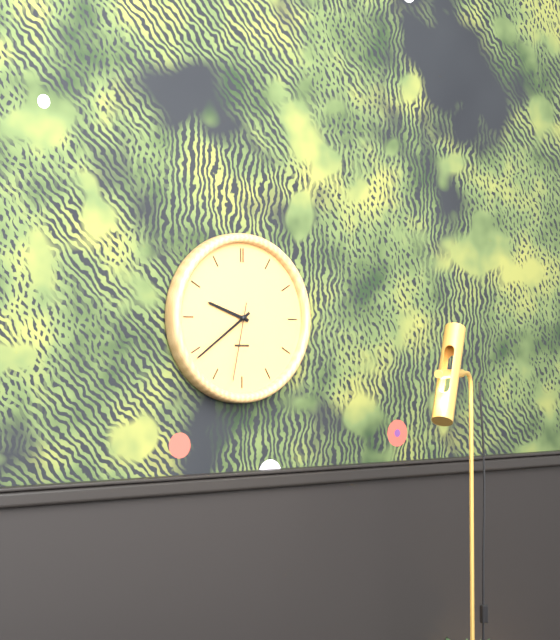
9,39,32
